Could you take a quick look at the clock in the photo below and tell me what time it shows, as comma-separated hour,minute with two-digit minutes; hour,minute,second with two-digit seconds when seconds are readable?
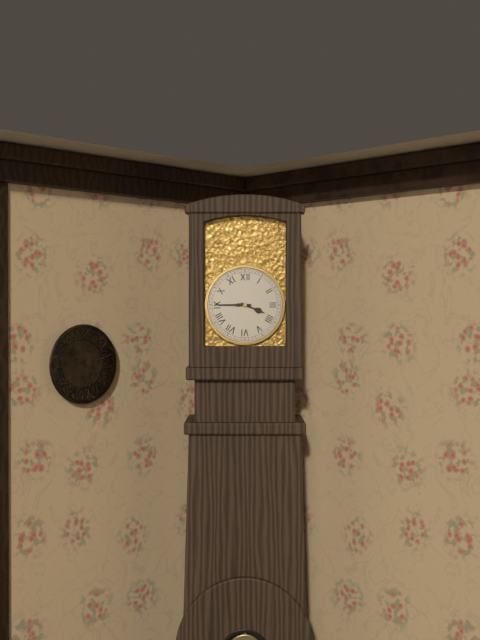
3,45
